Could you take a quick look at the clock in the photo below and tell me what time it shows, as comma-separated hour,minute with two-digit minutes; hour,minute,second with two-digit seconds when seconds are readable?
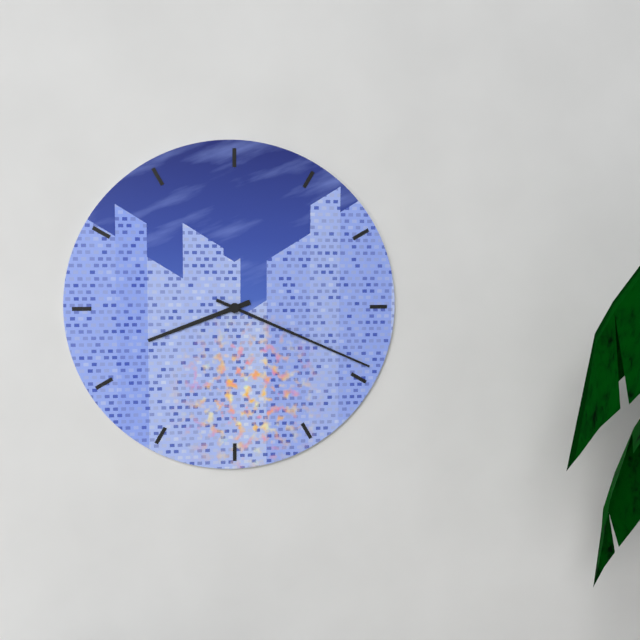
8,19
